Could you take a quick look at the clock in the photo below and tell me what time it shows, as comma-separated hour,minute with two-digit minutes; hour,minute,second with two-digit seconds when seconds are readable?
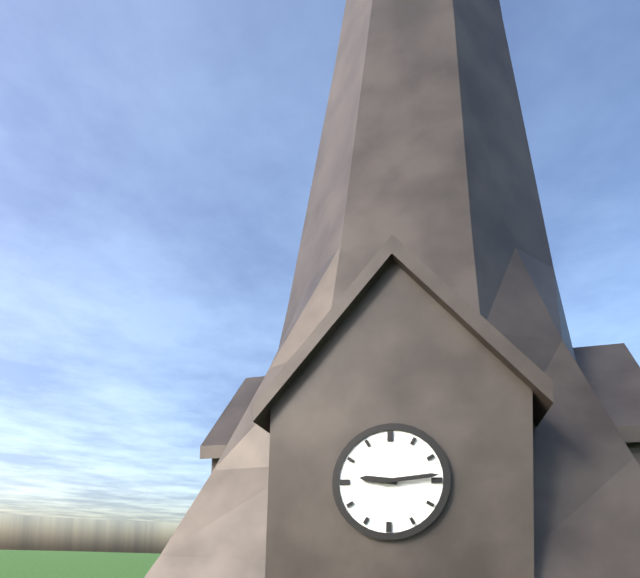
9,14
